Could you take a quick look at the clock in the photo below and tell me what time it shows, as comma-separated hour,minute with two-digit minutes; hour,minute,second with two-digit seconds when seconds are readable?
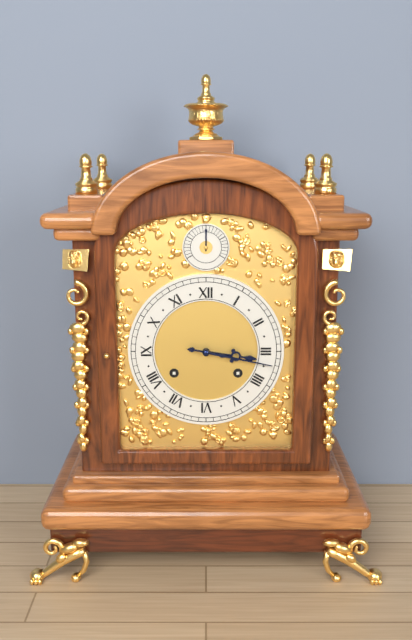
3,17
